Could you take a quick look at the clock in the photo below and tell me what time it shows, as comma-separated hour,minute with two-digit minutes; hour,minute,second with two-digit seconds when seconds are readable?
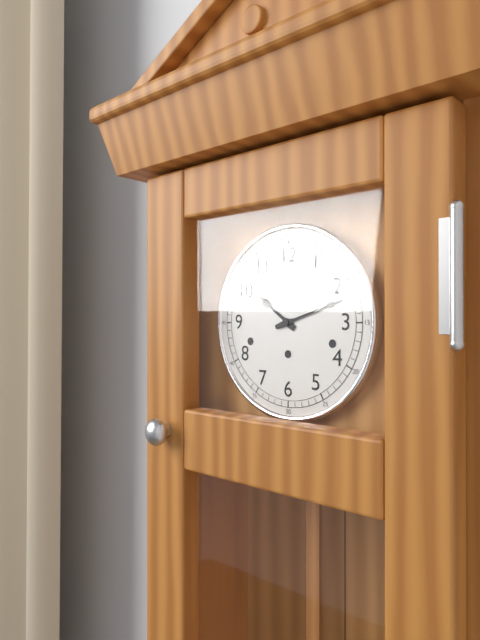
10,12
